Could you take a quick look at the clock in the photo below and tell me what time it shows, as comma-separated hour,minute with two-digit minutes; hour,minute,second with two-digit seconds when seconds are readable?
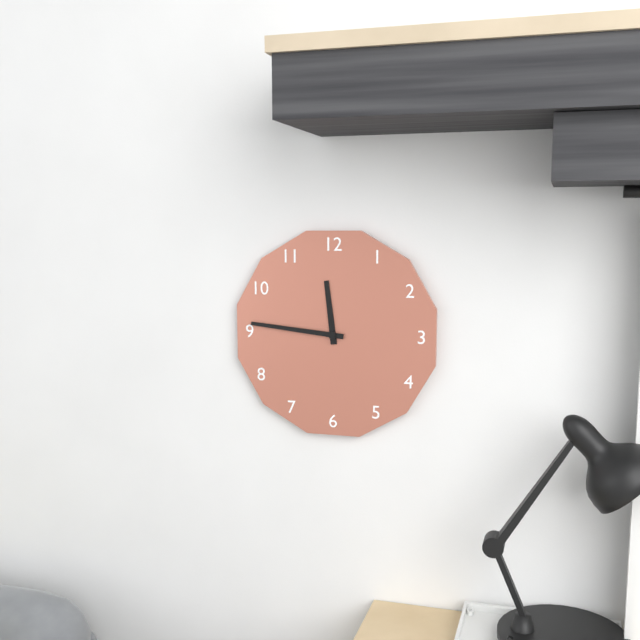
11,46
